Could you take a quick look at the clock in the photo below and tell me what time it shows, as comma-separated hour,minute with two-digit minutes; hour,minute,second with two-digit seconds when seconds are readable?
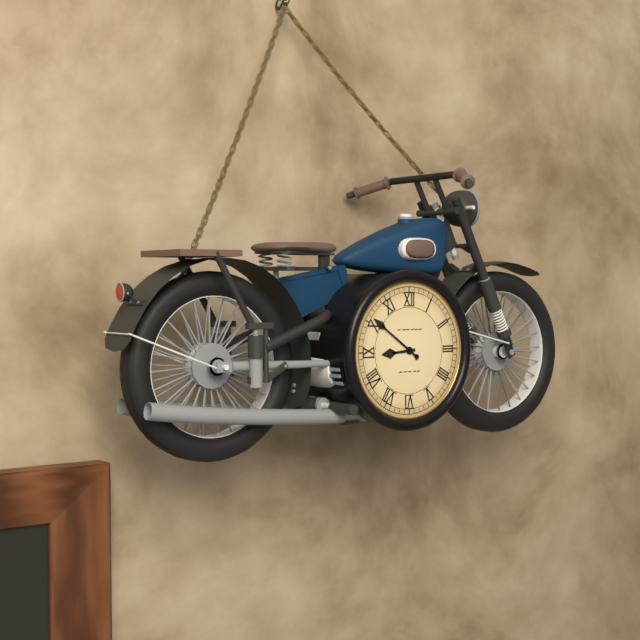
8,51
